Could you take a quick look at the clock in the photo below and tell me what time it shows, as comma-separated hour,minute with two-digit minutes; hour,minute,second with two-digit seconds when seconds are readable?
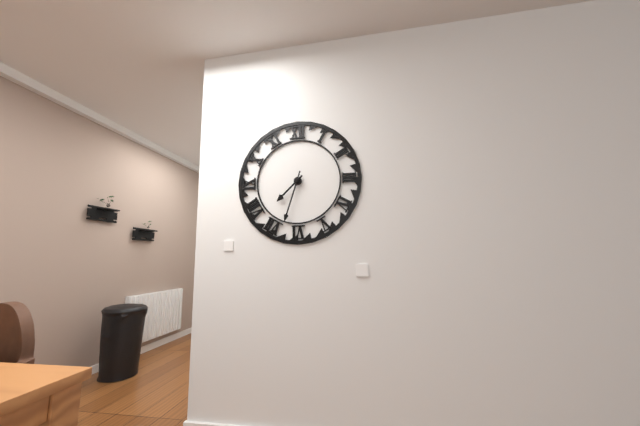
7,33
